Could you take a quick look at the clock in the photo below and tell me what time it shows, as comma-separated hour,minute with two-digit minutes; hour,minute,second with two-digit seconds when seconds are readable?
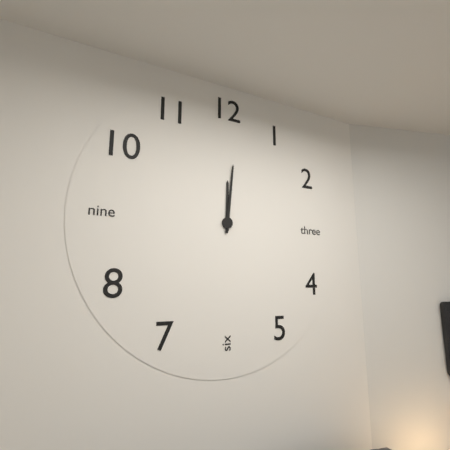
12,01
